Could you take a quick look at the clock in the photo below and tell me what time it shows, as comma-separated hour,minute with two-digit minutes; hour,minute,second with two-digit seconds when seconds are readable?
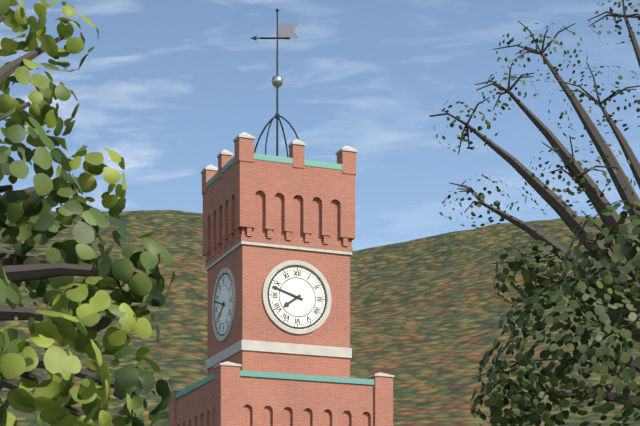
7,48
